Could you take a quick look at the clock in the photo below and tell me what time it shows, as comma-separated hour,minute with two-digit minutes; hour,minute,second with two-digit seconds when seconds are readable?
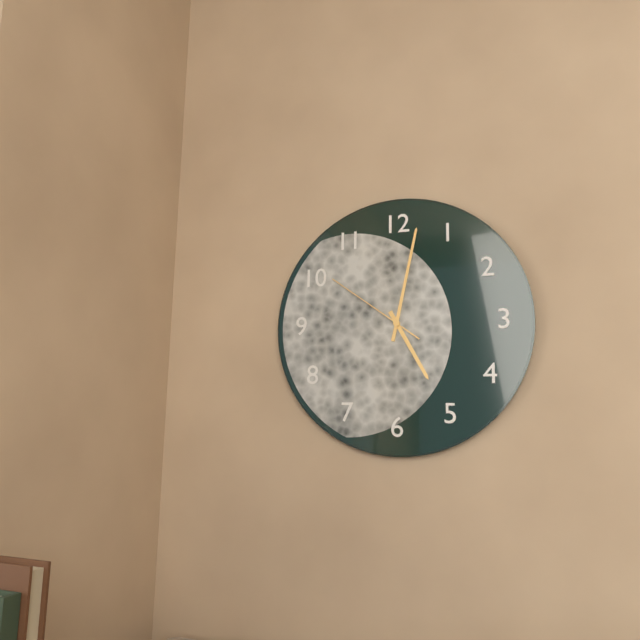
5,02,51
